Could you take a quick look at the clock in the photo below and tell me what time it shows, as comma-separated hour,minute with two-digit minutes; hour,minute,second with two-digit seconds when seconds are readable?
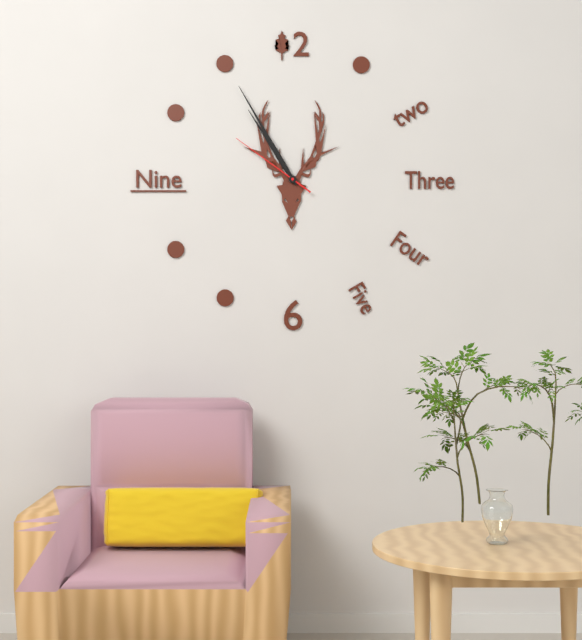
10,55,51
